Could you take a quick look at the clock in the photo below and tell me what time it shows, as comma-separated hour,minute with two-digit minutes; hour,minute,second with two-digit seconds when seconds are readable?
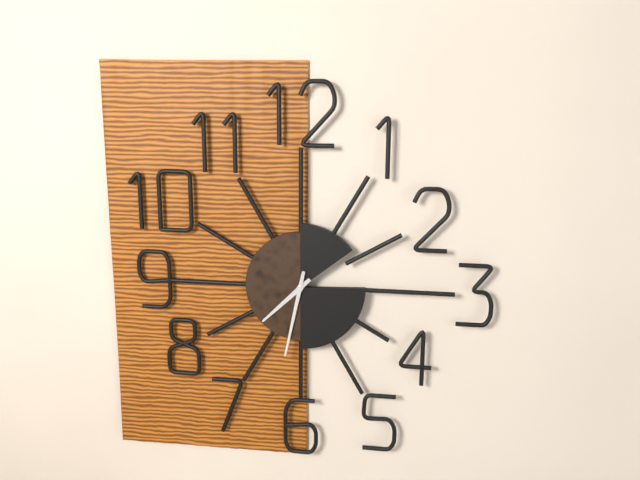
7,32
